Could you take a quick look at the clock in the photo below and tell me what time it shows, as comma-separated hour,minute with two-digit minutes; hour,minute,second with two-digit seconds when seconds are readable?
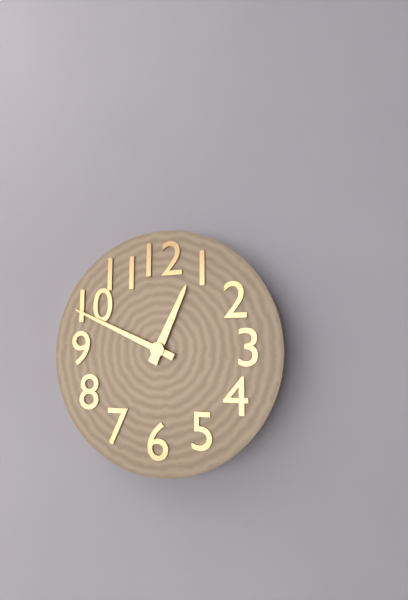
12,49
